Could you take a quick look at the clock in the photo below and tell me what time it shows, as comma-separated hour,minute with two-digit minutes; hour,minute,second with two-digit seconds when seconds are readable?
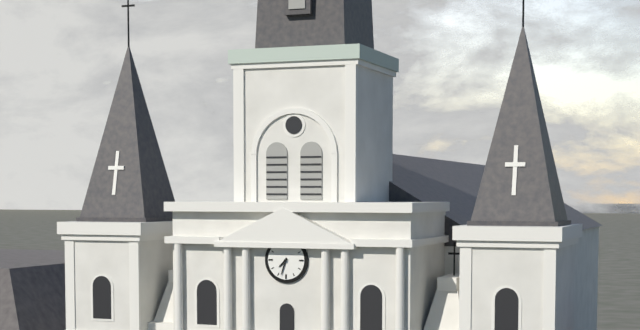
7,33
